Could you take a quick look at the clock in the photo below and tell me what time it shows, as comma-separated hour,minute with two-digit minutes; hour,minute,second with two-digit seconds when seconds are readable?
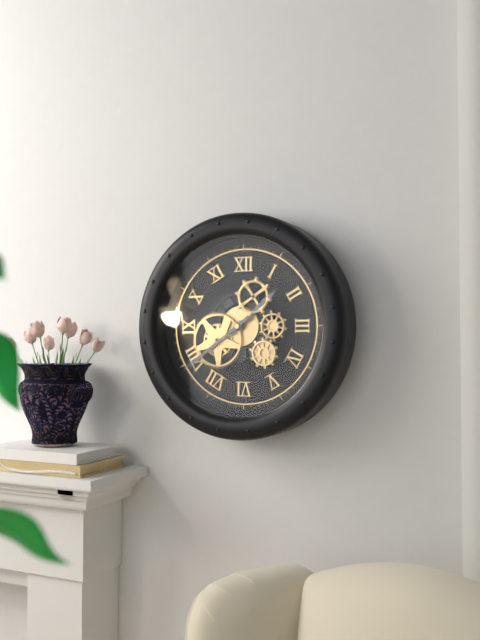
1,39
